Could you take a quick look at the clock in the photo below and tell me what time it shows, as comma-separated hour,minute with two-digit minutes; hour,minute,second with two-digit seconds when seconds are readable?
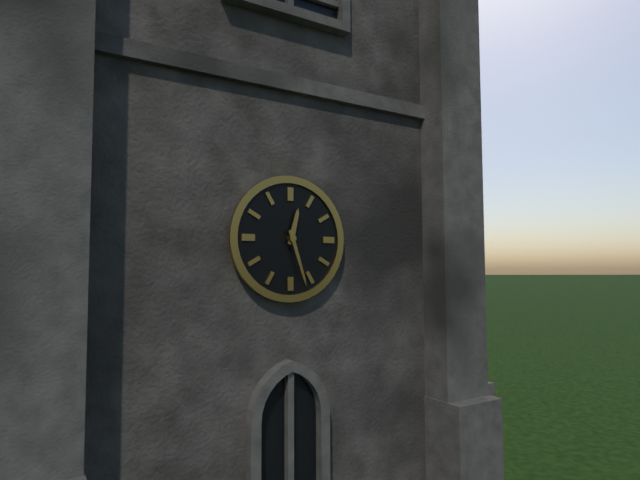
12,27
